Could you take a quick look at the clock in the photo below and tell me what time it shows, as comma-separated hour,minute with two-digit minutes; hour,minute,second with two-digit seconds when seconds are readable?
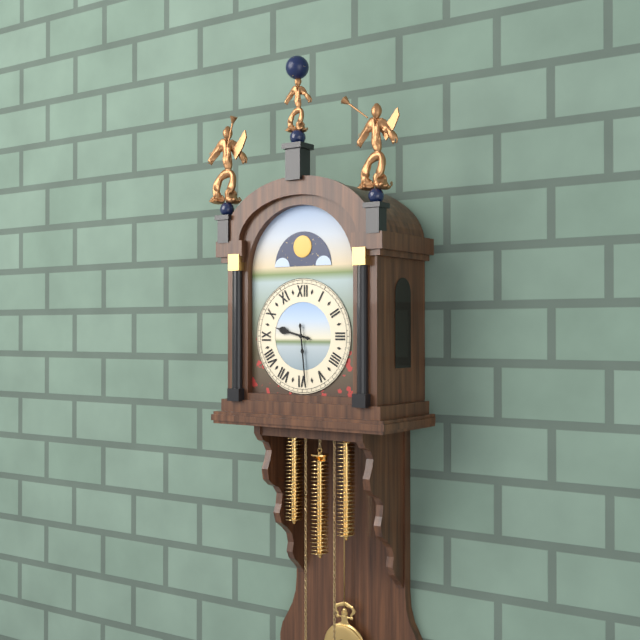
9,29
